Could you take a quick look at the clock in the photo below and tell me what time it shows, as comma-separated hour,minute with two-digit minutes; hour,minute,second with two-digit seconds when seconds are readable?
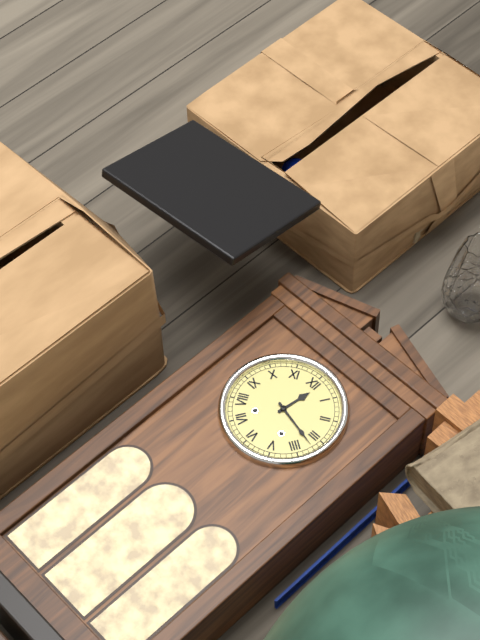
12,17
